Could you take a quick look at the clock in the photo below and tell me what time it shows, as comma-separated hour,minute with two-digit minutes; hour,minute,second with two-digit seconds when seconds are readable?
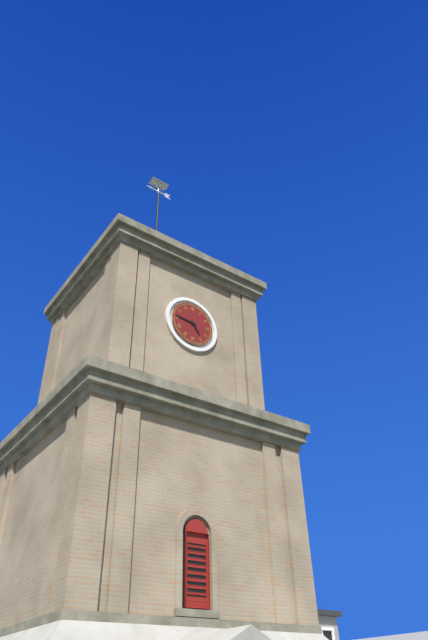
4,46
